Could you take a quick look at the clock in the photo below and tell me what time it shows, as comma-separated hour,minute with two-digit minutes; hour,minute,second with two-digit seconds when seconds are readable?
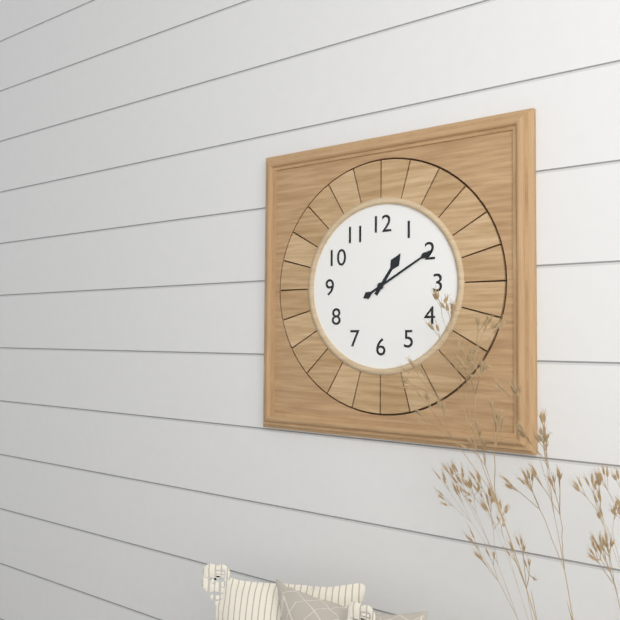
1,10
